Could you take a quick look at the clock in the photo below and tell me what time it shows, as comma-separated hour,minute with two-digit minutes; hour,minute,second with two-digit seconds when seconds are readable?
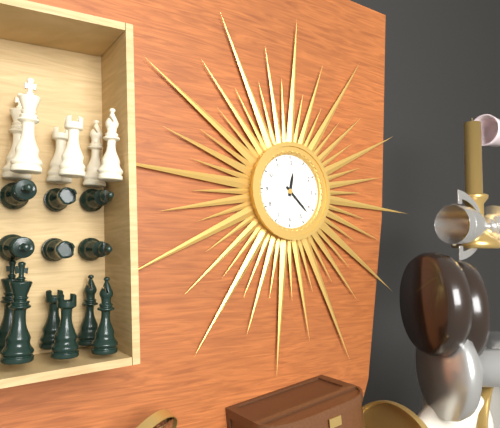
12,22
